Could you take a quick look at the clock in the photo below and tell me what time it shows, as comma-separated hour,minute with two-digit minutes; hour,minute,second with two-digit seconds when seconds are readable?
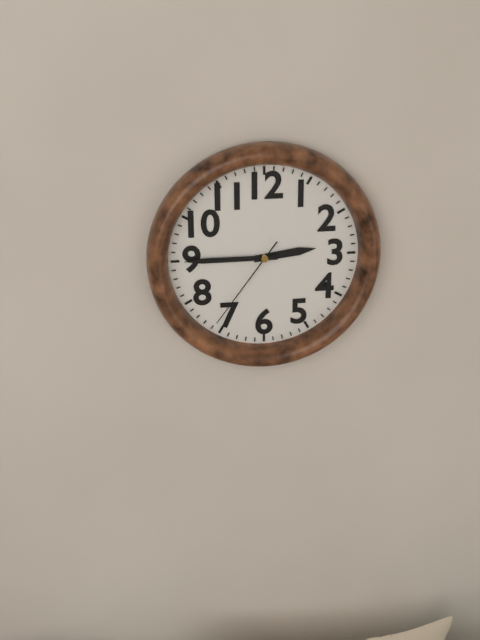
2,45,36
